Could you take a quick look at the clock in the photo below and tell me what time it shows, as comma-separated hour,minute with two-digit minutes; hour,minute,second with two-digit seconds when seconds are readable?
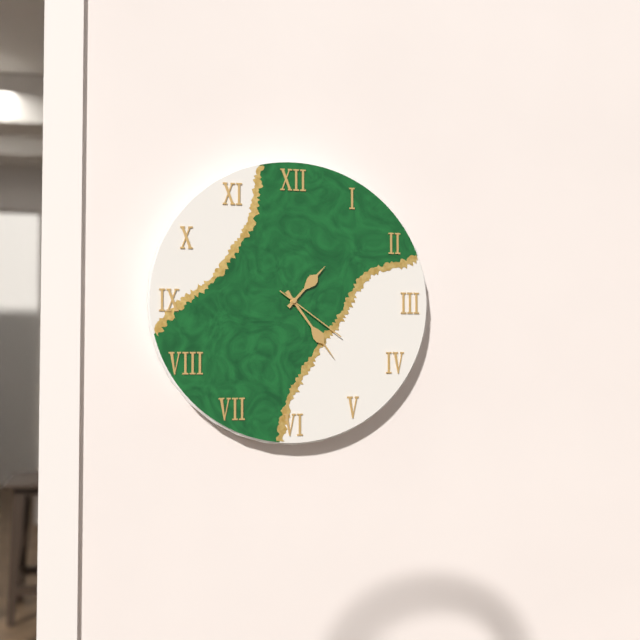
1,24,21
